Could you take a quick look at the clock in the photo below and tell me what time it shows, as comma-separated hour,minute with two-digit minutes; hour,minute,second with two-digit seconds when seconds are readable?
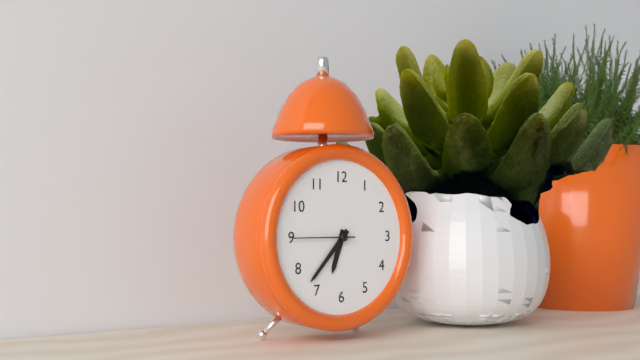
6,37,45
